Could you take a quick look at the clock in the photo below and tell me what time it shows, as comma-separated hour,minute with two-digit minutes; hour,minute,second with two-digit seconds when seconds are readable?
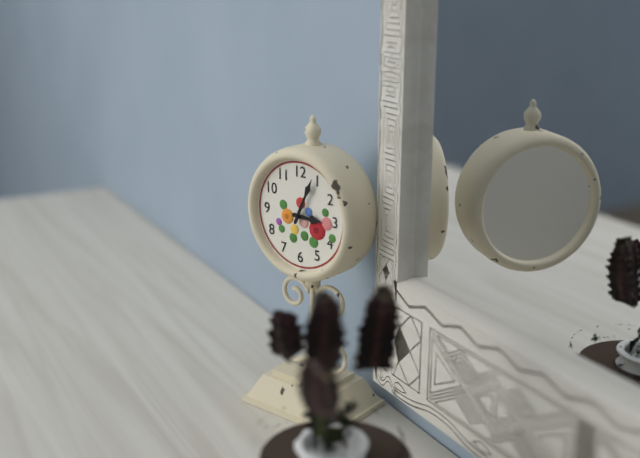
3,04
